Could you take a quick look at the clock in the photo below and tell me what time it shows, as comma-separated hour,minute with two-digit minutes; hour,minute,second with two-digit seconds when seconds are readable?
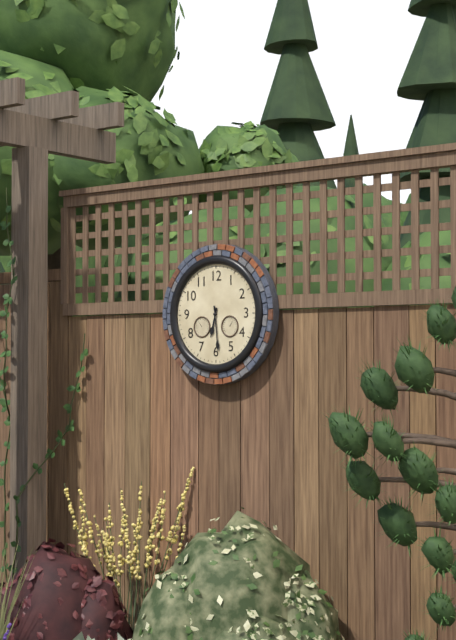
6,29
